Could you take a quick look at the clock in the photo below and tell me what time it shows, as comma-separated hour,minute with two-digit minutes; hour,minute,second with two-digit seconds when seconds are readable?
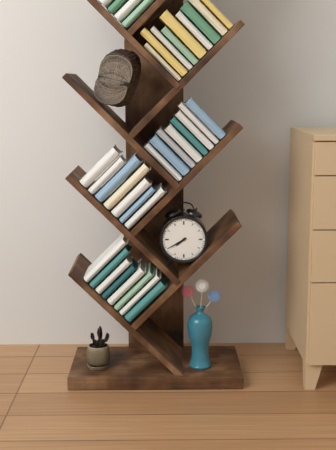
7,40
